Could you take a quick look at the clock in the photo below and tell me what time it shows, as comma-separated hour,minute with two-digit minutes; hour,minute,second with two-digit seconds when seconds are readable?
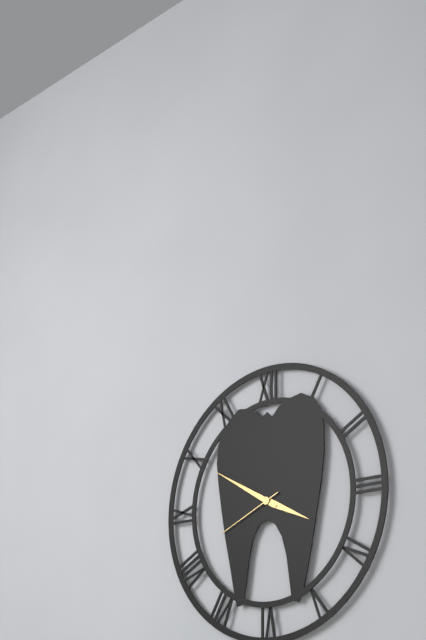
3,50,41
